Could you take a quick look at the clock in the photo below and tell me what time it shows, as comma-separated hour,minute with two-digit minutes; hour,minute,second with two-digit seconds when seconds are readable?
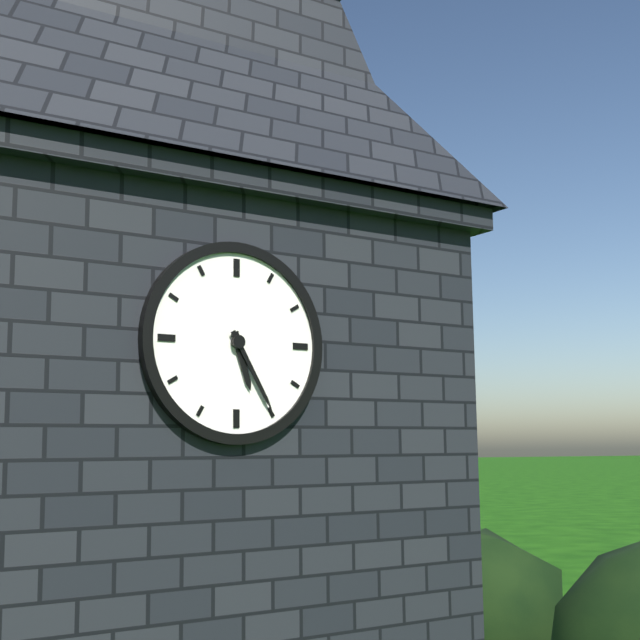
5,25
